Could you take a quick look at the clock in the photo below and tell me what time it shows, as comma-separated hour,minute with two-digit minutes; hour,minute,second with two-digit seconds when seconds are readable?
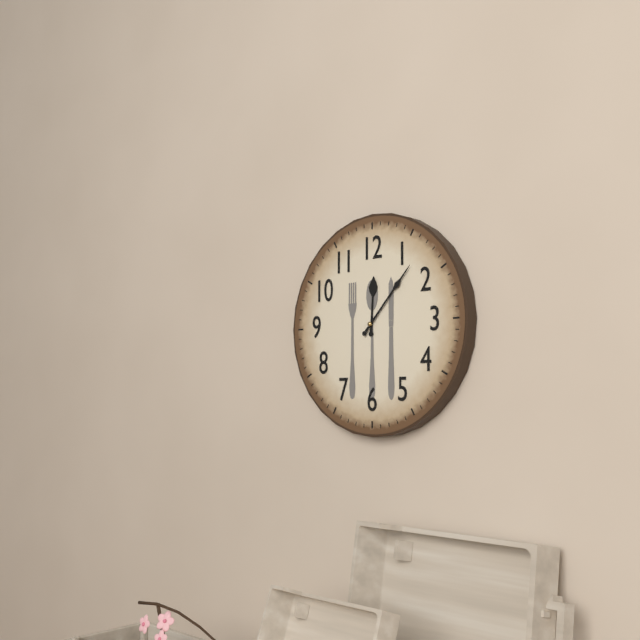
12,07
